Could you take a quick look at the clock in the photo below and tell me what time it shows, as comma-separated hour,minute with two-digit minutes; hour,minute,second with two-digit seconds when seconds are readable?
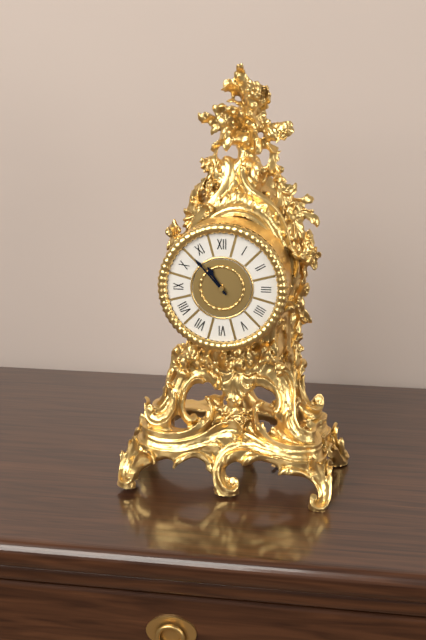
10,53
